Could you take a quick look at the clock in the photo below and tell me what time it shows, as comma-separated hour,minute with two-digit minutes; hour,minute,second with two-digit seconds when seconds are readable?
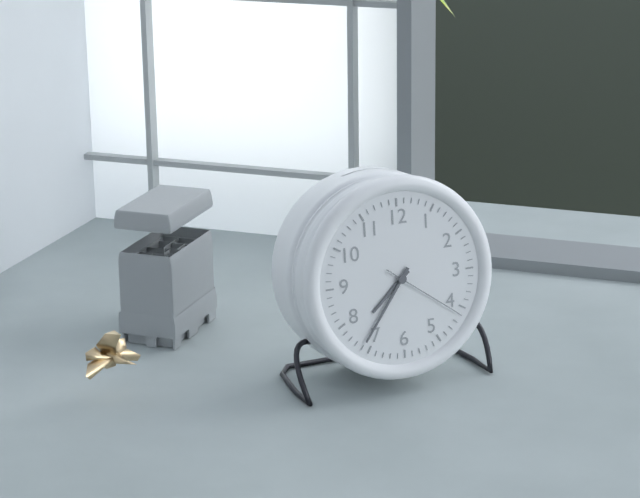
7,36,21
